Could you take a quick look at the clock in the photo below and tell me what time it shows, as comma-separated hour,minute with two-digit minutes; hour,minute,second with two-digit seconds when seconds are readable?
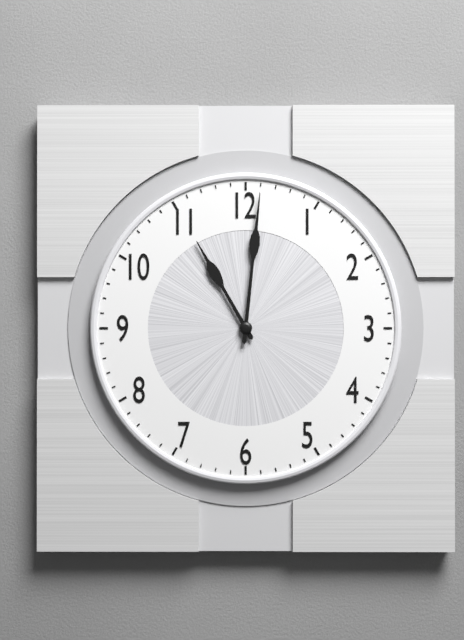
11,01
